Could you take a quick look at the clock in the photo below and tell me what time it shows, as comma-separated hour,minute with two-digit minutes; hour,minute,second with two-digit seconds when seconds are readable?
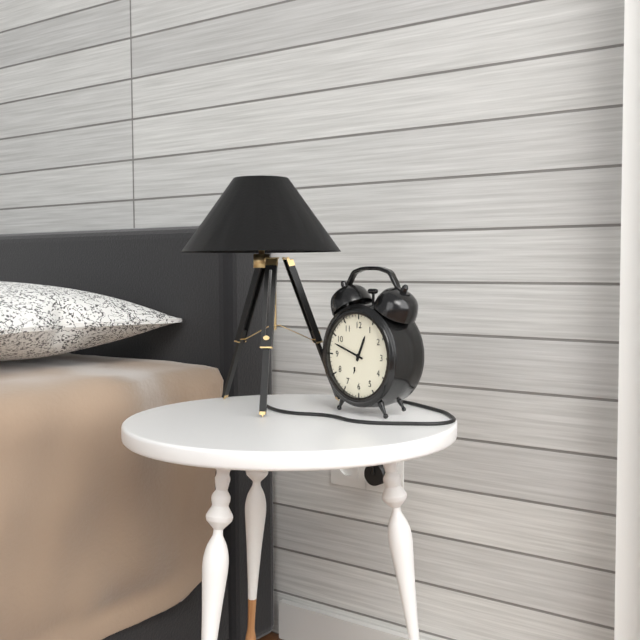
12,48
